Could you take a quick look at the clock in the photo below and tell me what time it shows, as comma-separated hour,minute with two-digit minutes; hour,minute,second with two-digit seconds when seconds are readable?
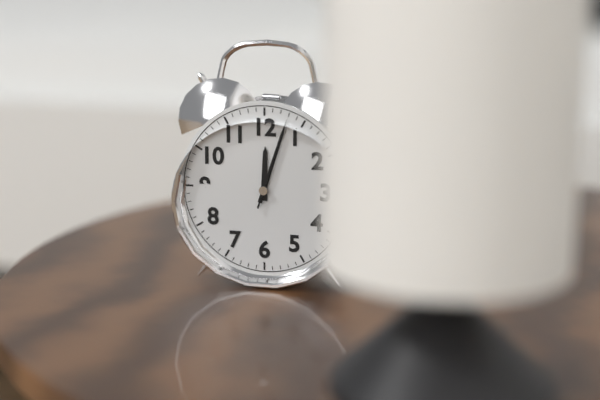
12,03,03
